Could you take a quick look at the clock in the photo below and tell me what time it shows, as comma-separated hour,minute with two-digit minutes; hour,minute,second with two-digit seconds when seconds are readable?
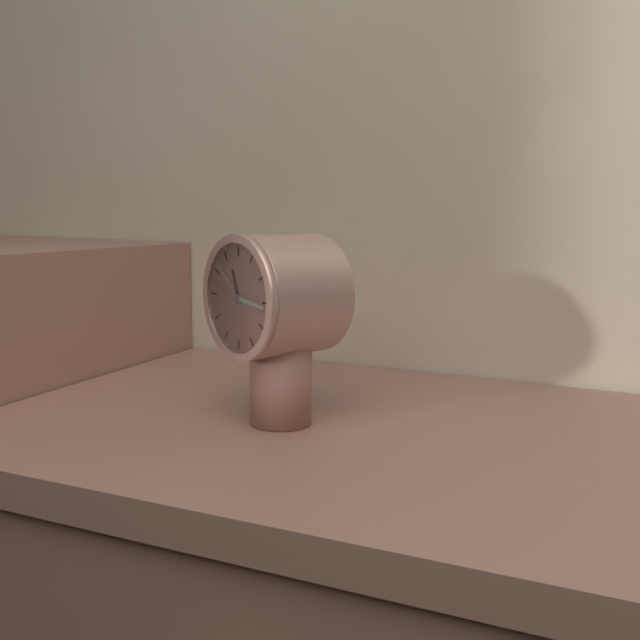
11,16,52
